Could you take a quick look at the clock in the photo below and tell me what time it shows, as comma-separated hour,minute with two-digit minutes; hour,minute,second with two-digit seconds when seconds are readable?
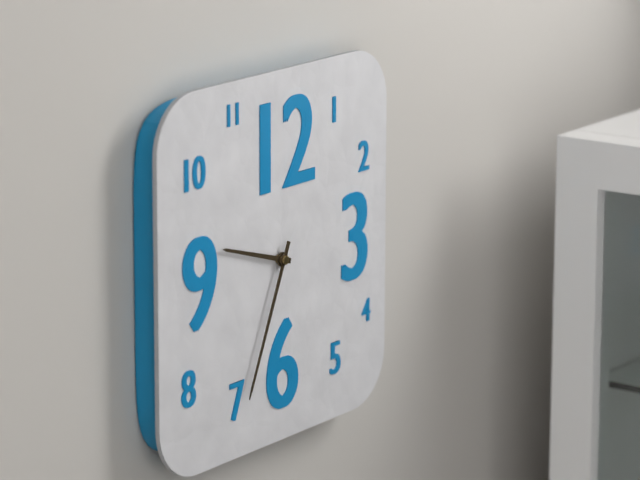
9,34
